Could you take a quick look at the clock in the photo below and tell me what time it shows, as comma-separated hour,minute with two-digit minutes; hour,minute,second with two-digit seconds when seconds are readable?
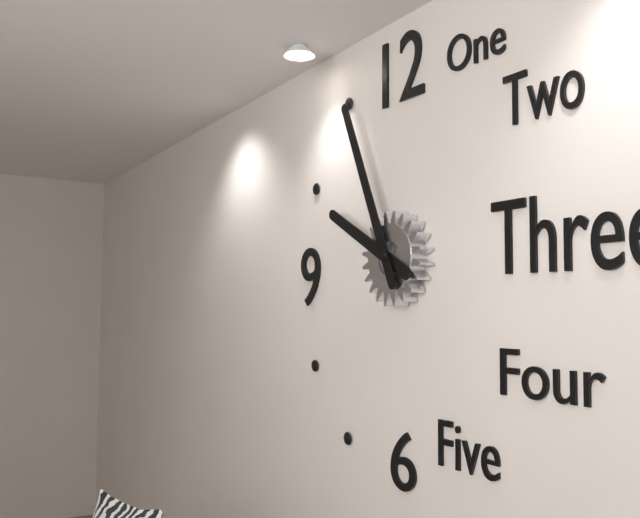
9,56
